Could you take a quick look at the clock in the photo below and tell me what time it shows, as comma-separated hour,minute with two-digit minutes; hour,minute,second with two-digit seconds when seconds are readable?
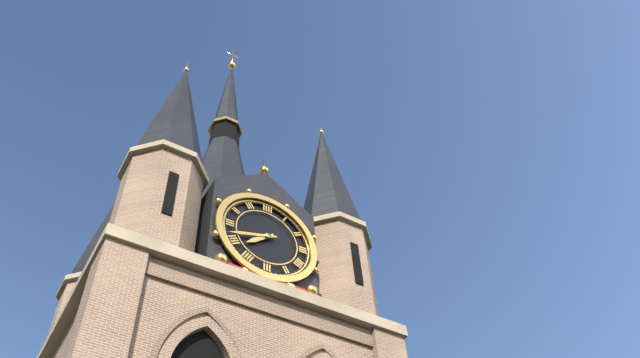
7,42
